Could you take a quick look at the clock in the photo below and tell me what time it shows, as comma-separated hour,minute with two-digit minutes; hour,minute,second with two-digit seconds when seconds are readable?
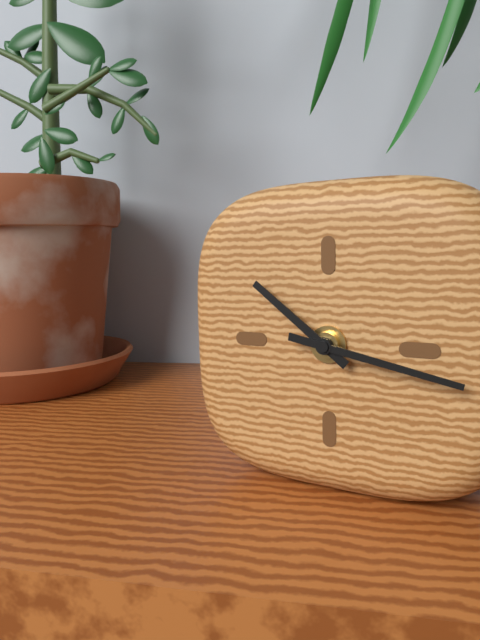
10,17
